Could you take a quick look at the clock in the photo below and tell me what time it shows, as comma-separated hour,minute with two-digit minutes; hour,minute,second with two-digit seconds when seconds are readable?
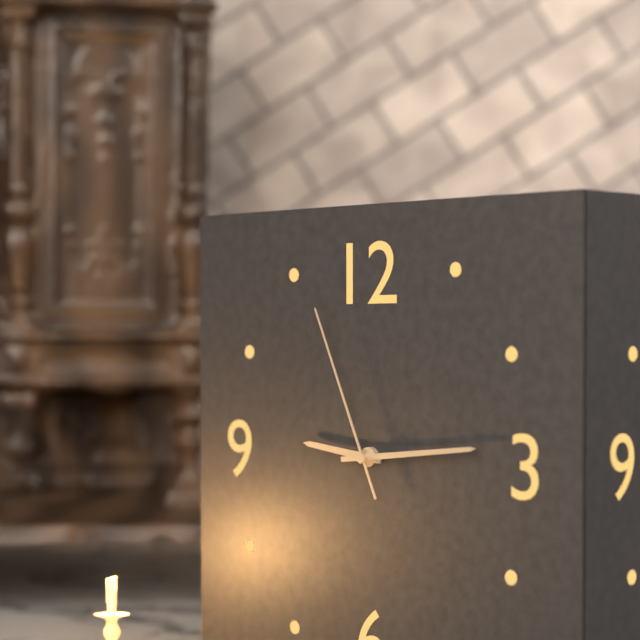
9,14,56
